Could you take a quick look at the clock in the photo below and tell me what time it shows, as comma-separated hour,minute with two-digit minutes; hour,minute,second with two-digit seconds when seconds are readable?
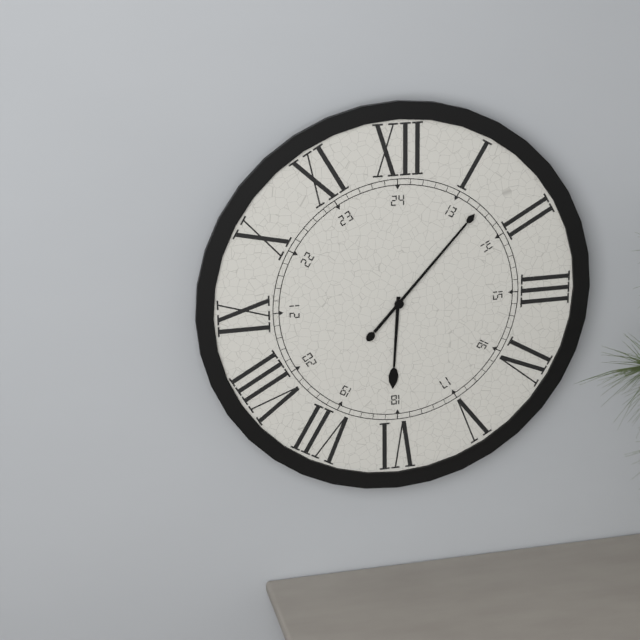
6,07
